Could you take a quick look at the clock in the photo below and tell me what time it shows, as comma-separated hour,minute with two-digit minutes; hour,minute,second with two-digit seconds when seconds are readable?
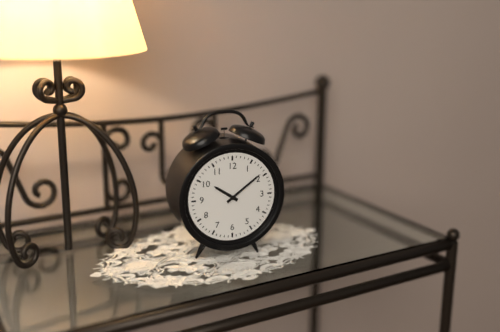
10,09
